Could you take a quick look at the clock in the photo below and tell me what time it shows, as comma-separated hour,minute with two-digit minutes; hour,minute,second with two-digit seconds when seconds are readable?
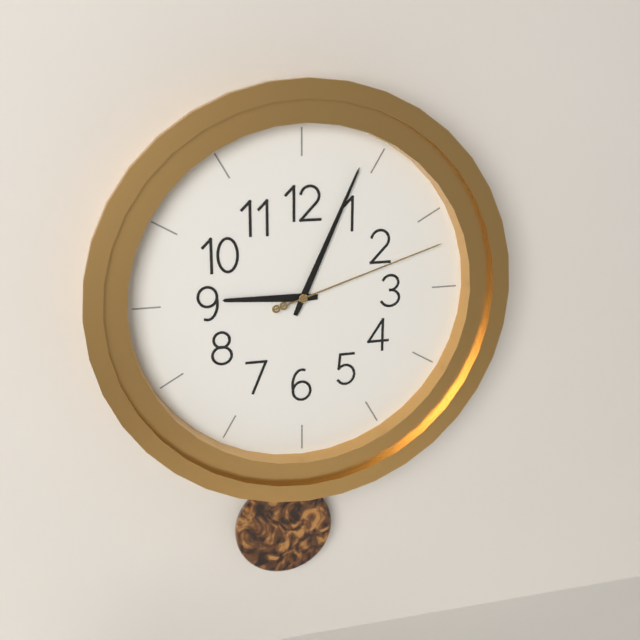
9,04,12
